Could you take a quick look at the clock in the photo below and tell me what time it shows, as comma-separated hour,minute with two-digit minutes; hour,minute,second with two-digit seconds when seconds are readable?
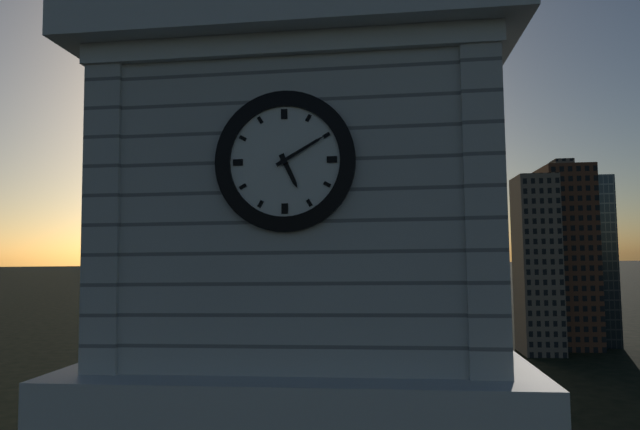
5,10
